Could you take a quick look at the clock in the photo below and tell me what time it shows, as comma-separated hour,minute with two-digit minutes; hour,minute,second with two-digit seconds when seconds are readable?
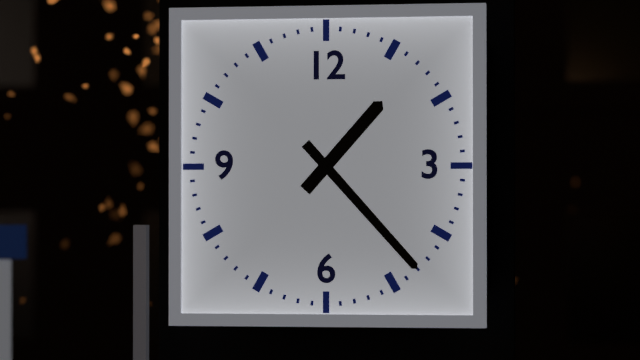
1,23
